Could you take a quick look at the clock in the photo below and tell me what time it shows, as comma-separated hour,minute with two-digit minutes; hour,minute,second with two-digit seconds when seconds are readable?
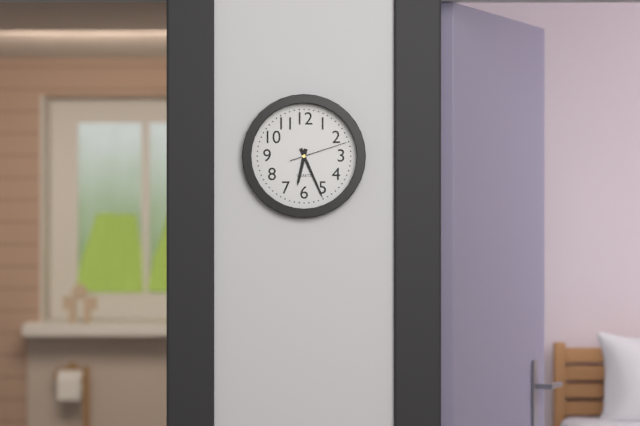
6,26,12
